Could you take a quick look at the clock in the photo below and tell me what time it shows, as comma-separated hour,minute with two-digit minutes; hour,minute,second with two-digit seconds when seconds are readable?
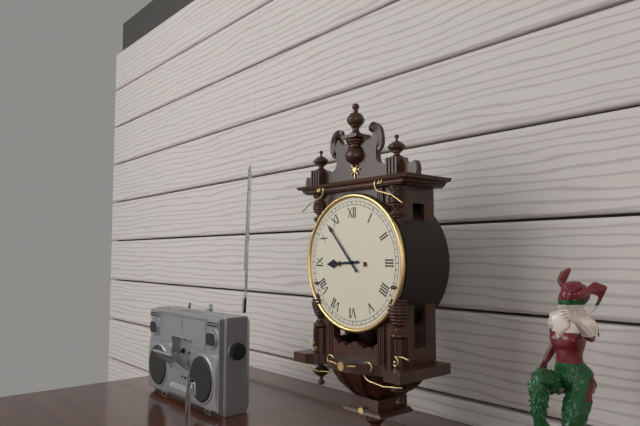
8,53
